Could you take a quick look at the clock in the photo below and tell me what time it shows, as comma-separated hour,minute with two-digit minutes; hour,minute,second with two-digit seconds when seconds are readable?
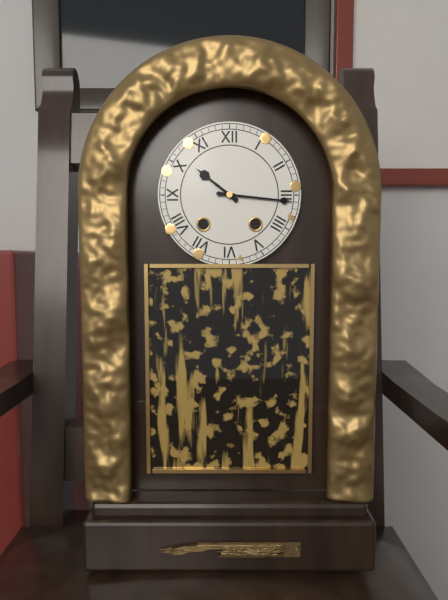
10,16
